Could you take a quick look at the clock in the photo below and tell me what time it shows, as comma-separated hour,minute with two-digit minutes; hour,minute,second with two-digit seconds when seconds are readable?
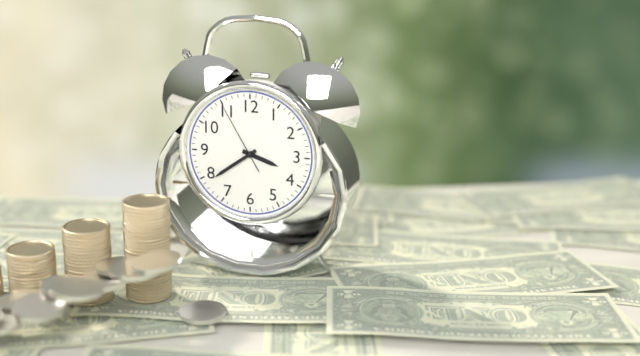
3,39,55
